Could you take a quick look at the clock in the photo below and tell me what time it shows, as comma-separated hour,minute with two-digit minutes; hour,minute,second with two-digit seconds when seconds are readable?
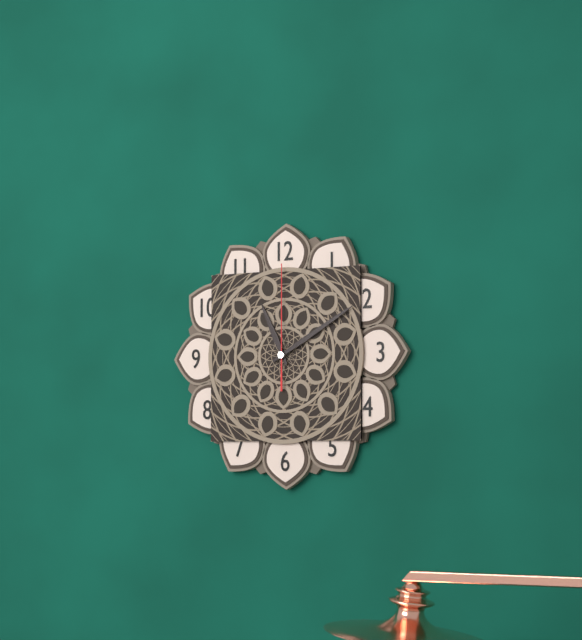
11,10,00
